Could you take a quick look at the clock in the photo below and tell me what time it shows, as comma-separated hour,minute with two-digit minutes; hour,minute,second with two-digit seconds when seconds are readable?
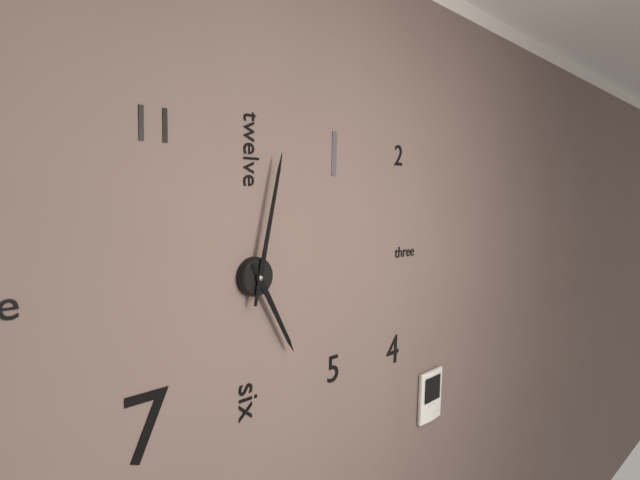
5,02
